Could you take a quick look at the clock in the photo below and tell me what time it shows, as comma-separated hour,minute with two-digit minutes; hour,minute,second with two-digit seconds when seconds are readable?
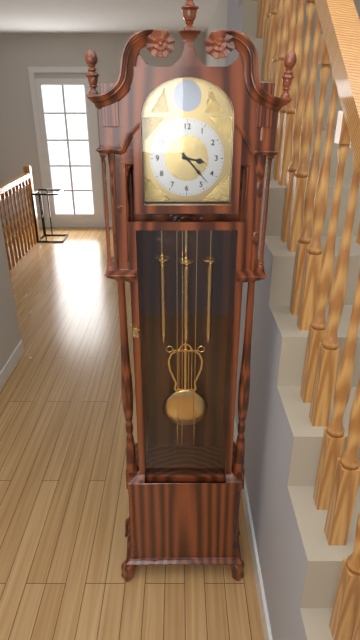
3,23
